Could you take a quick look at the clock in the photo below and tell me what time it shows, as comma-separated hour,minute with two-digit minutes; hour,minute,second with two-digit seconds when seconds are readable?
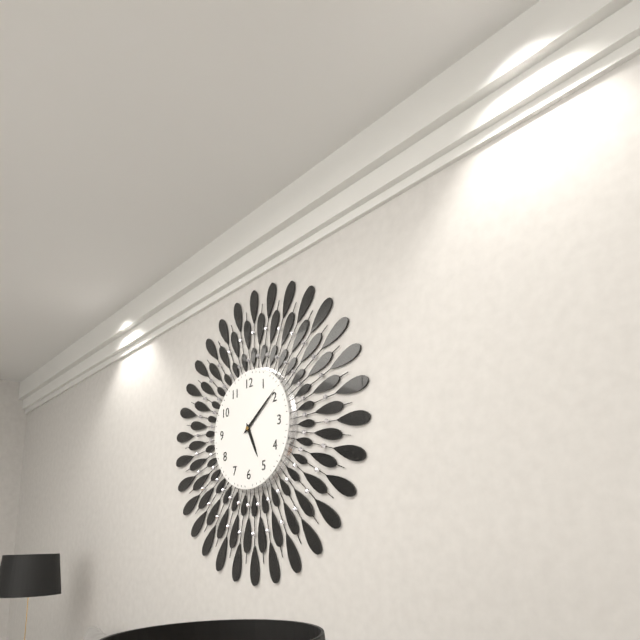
5,09
